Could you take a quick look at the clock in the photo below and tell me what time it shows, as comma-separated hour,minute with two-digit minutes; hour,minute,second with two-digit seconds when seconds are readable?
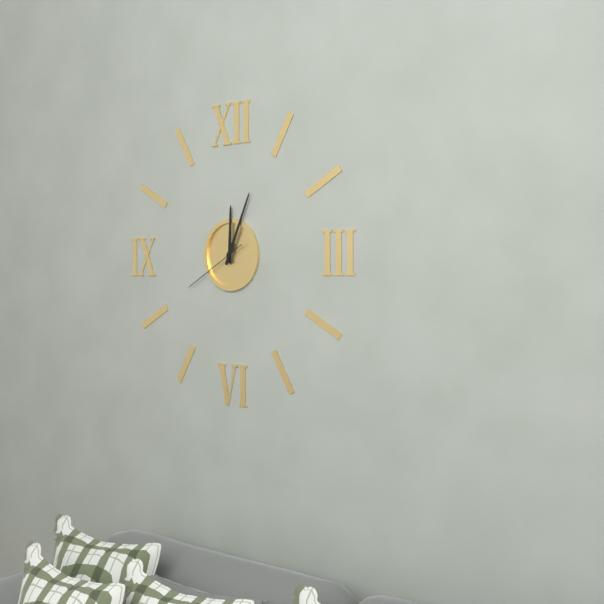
12,04,40
